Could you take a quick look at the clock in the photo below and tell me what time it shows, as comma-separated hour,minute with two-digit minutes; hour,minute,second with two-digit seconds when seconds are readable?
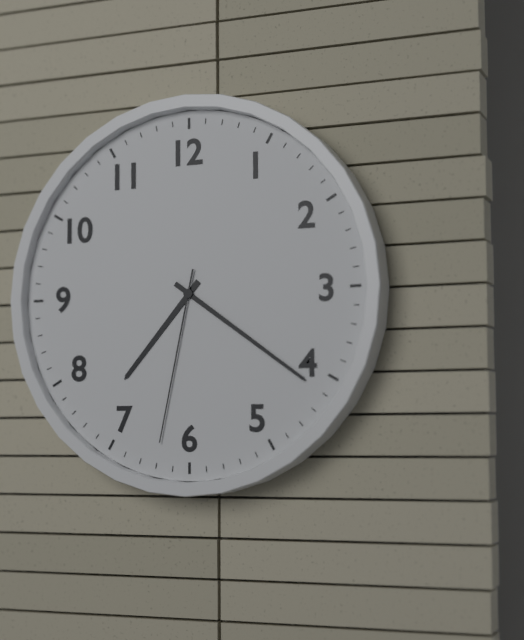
7,21,32
